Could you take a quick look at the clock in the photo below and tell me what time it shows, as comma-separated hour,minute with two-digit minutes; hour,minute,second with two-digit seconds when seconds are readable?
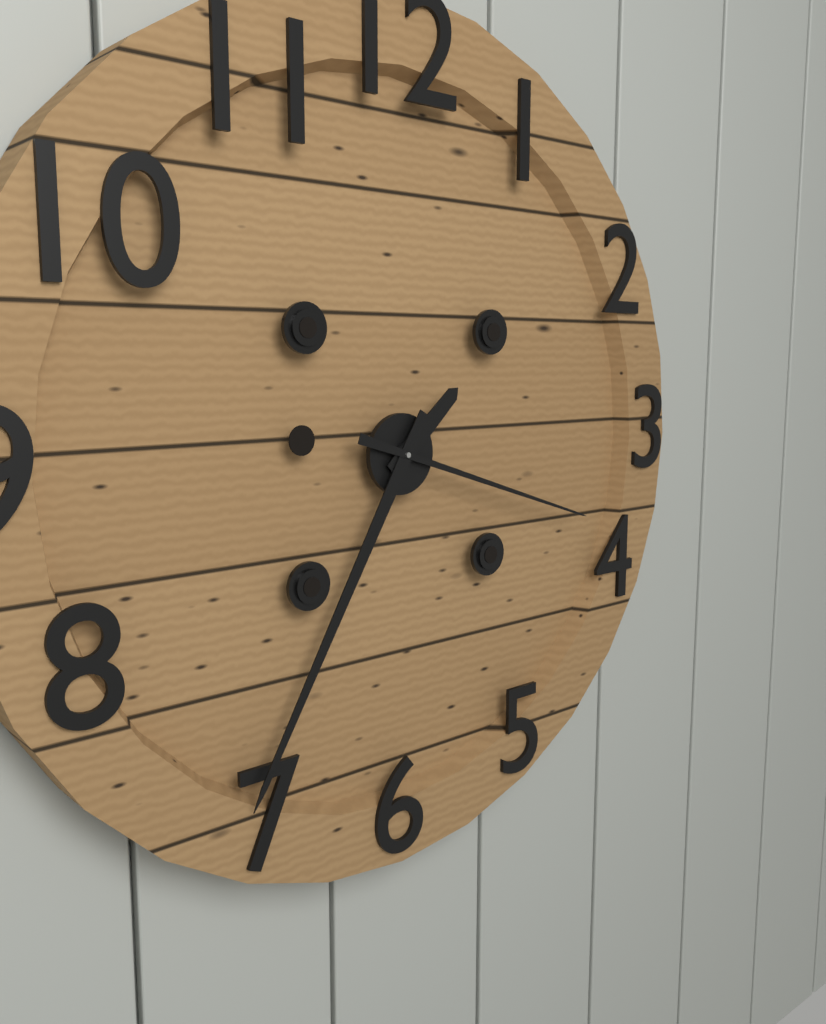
1,35,18
